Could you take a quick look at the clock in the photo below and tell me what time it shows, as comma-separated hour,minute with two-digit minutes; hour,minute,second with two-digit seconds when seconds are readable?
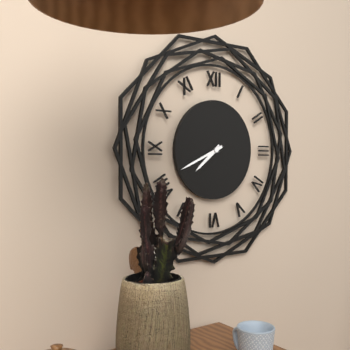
7,41
